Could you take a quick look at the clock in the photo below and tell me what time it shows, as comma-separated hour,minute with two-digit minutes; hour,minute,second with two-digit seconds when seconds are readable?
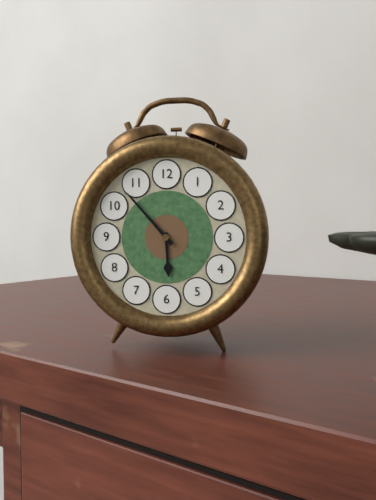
5,53
